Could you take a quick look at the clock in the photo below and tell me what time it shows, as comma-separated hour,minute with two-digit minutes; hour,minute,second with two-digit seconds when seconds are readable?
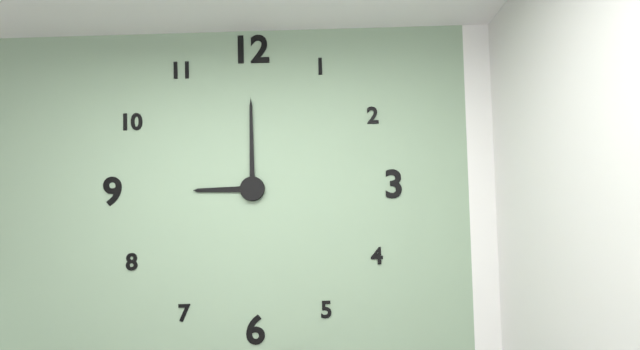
9,00
